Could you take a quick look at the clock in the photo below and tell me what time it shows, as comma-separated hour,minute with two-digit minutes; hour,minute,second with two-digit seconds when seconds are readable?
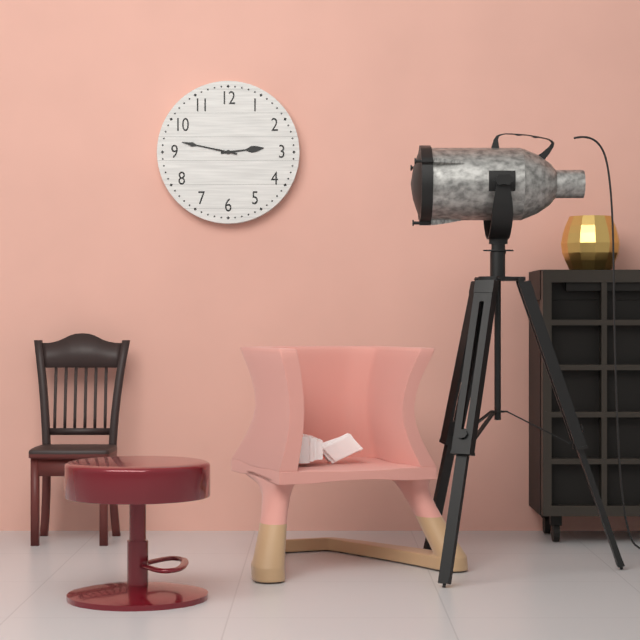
2,47
